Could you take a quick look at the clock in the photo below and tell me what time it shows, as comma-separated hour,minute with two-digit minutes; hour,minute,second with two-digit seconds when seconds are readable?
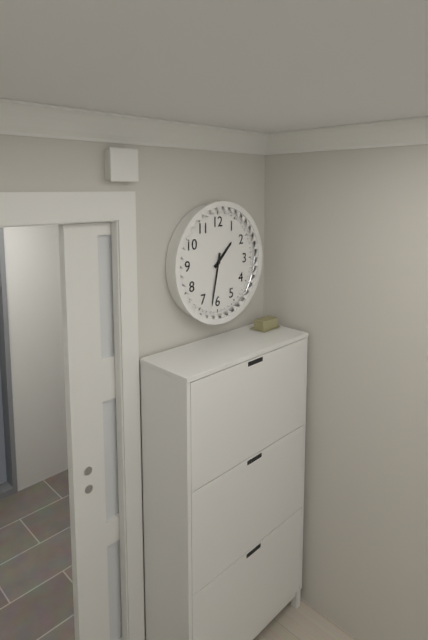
1,32
